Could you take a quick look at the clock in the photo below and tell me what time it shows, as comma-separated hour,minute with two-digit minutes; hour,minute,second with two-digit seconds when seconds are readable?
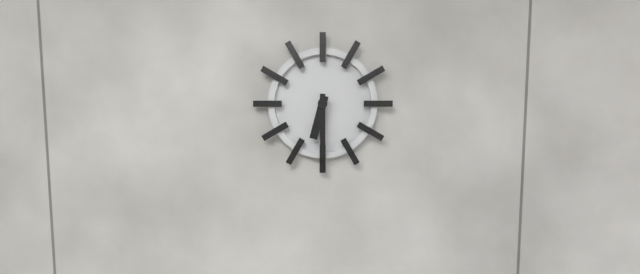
6,30
